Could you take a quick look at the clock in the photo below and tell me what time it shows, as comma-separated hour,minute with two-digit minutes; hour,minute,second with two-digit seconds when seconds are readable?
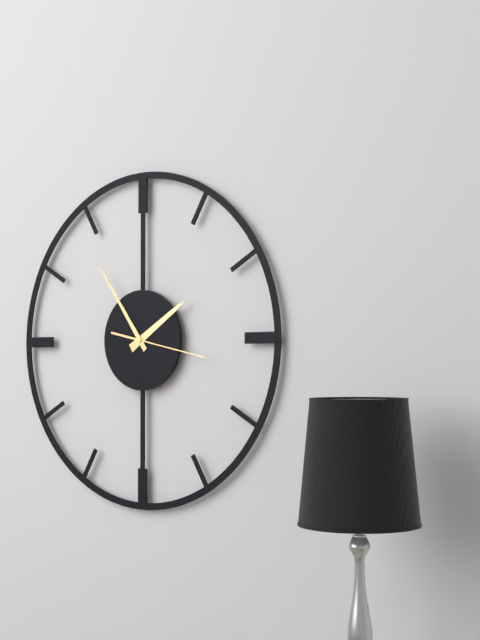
1,54,17
